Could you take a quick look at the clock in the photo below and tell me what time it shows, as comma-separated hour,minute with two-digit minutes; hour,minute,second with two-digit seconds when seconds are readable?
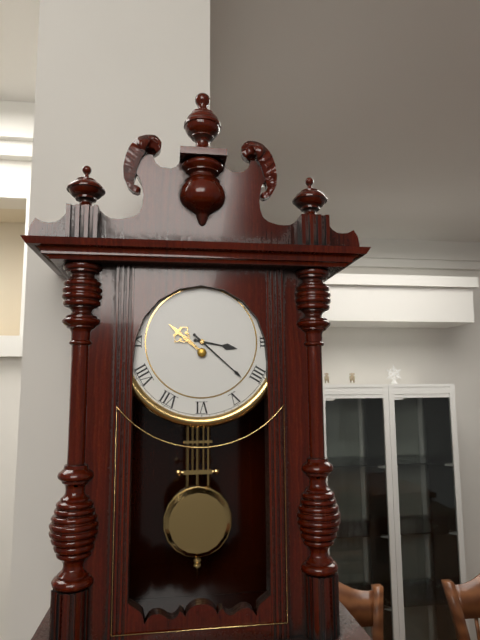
3,22
